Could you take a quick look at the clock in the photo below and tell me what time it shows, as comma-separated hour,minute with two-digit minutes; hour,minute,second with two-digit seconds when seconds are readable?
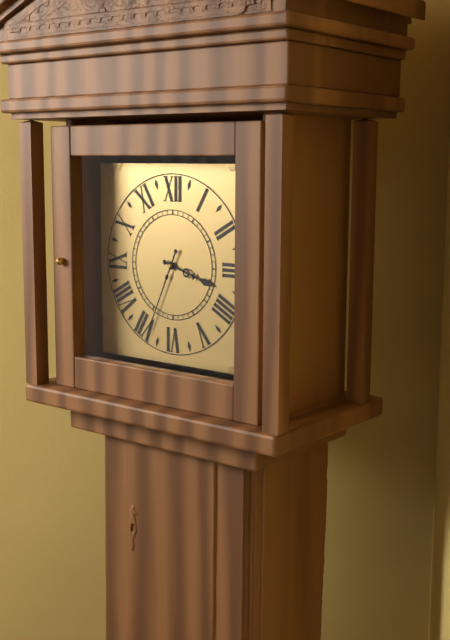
3,34
